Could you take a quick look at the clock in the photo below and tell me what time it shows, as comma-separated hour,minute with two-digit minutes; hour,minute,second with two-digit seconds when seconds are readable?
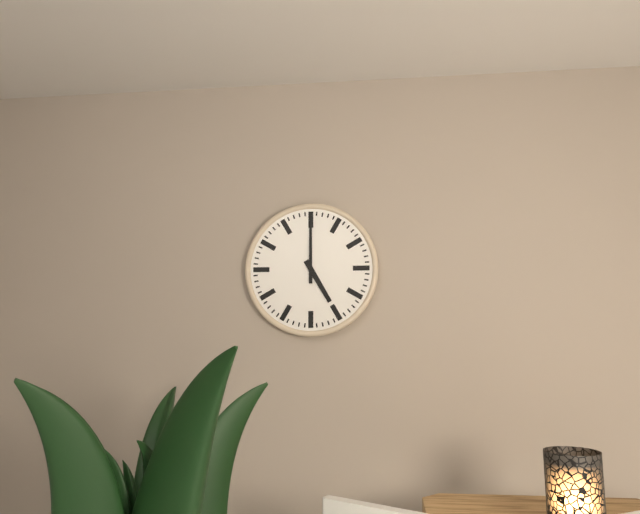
5,00
